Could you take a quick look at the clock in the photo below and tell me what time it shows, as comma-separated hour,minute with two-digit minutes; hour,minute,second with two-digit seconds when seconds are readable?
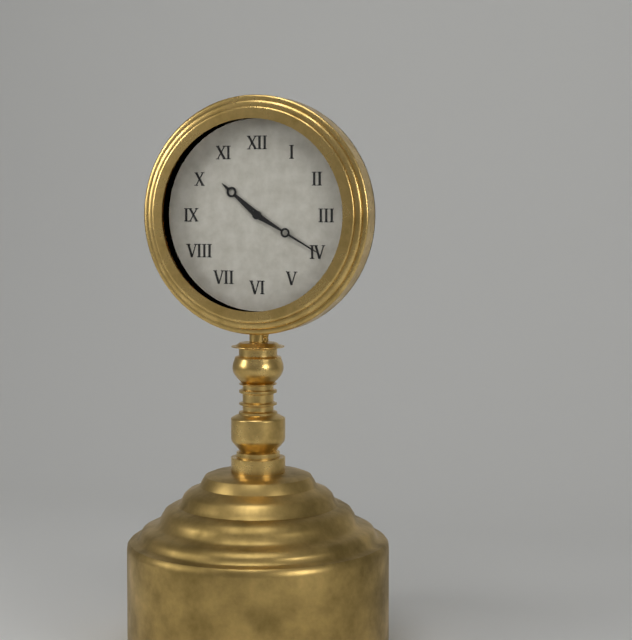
10,20
